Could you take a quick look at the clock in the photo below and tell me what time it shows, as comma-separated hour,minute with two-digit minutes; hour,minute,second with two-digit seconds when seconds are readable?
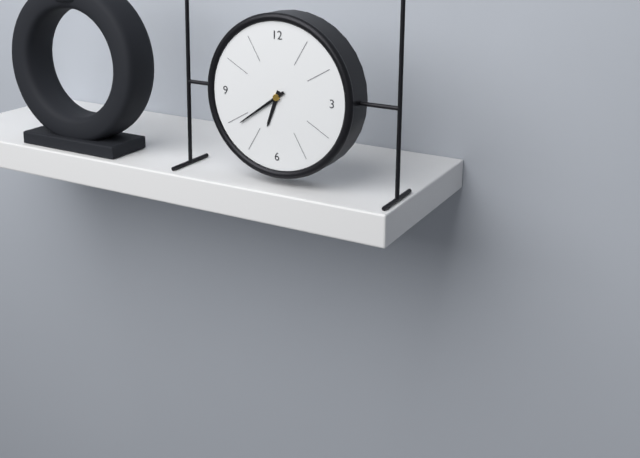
6,39
